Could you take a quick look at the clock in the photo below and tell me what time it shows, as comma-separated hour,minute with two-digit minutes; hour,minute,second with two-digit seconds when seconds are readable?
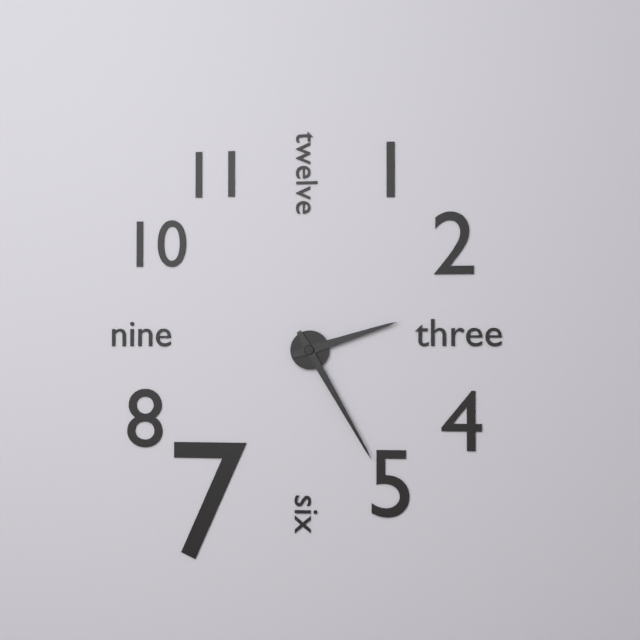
2,25
